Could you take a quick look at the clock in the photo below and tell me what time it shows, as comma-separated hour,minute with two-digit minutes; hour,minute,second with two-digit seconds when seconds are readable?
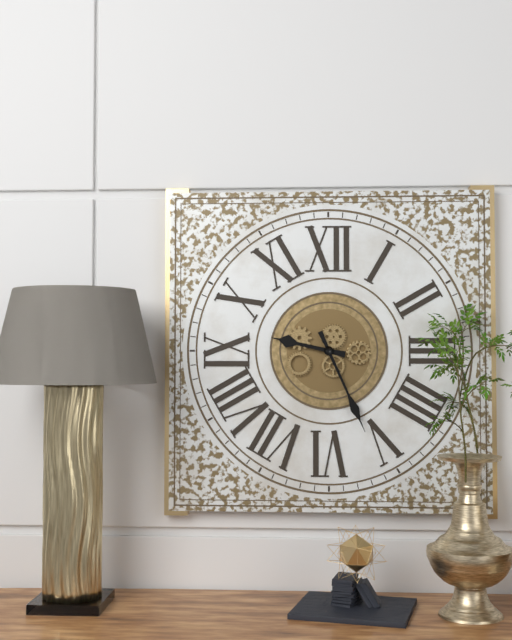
9,26
